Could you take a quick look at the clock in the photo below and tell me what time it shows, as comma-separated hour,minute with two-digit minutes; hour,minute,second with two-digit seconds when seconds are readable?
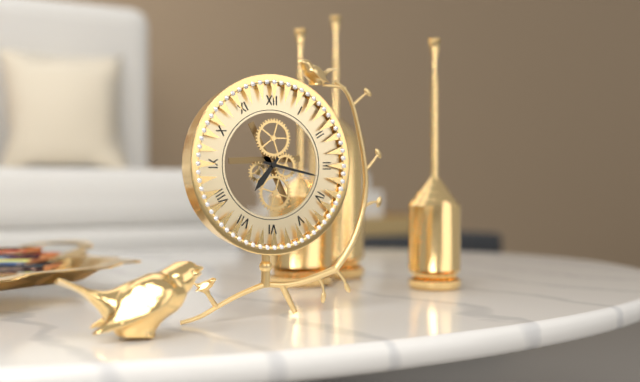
7,17
